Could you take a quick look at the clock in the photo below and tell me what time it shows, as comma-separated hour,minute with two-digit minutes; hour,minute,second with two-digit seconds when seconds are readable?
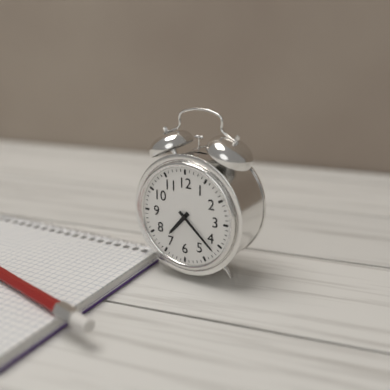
7,22
